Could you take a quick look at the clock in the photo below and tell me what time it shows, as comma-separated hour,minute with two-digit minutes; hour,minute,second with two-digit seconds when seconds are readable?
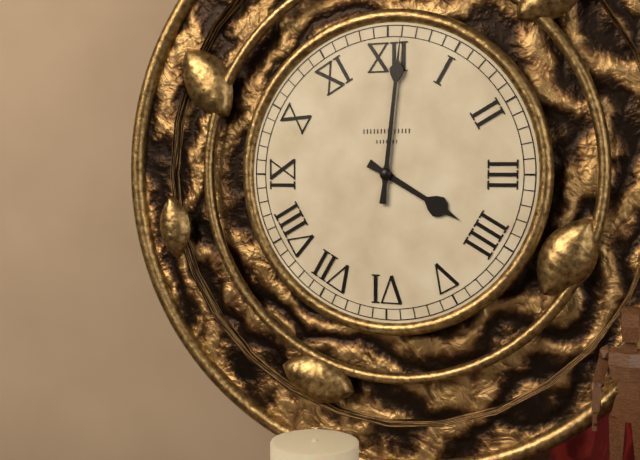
4,01
